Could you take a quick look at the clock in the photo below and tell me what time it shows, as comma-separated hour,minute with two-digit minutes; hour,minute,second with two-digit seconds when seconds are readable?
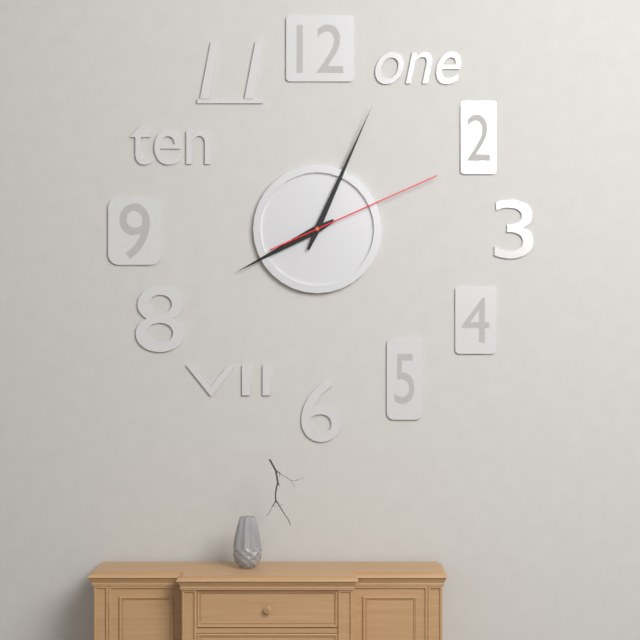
8,04,11
